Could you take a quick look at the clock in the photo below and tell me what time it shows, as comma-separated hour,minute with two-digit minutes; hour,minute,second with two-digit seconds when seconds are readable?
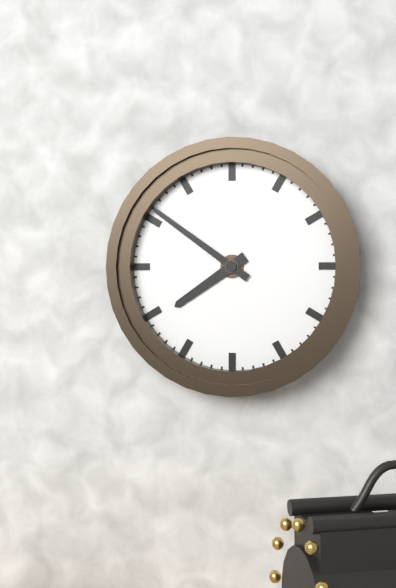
7,51
